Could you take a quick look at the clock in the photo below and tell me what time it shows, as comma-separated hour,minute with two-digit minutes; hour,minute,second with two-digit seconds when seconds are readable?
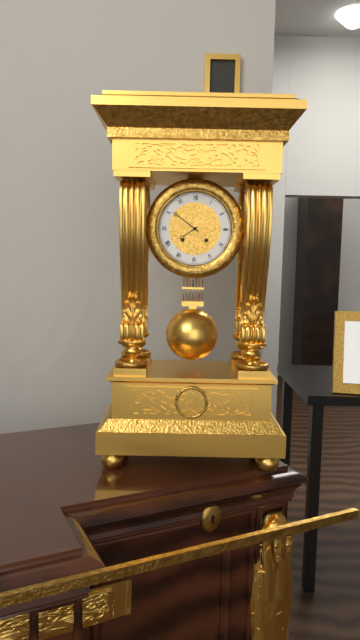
7,51
